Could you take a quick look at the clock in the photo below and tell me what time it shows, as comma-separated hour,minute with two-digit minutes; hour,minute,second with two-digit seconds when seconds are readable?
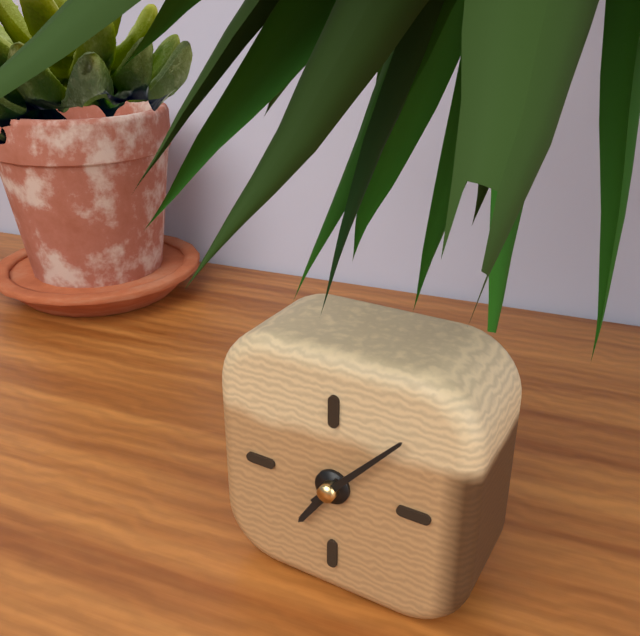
7,07
